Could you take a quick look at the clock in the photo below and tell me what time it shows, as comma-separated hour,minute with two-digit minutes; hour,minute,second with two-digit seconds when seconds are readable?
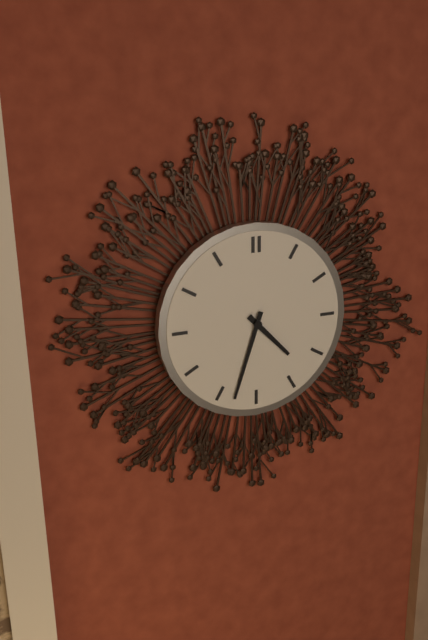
4,33
